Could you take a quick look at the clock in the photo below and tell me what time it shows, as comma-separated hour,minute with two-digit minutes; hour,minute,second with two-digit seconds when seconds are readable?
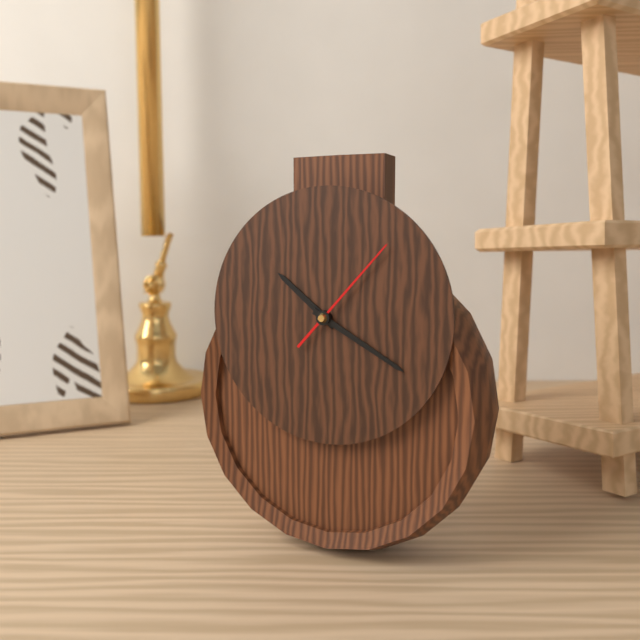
10,20,07
